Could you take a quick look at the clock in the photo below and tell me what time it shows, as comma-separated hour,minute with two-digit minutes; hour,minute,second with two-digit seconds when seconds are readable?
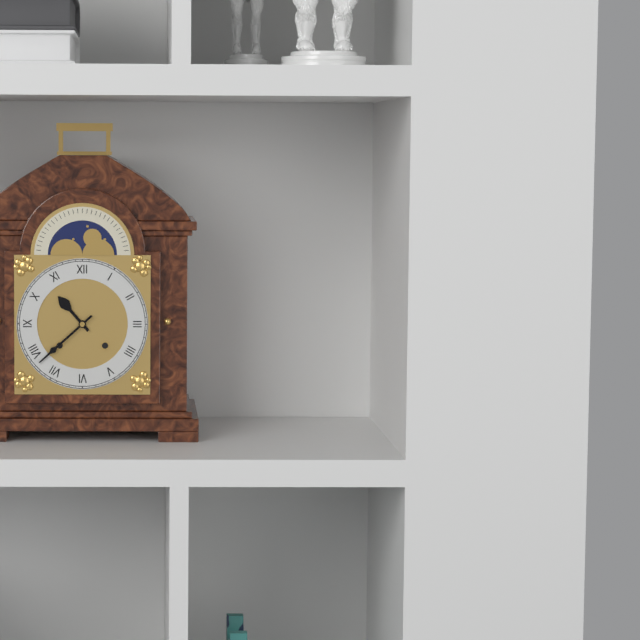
10,38
